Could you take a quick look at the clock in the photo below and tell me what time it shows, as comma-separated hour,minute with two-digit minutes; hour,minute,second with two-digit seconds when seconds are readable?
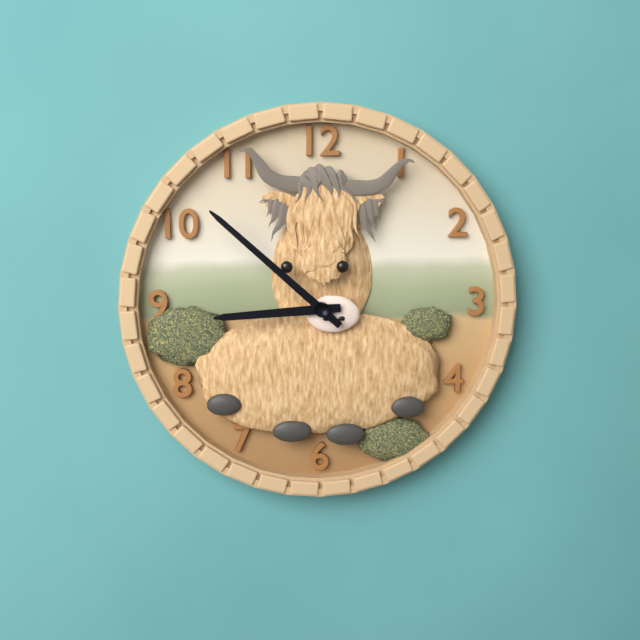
8,52
